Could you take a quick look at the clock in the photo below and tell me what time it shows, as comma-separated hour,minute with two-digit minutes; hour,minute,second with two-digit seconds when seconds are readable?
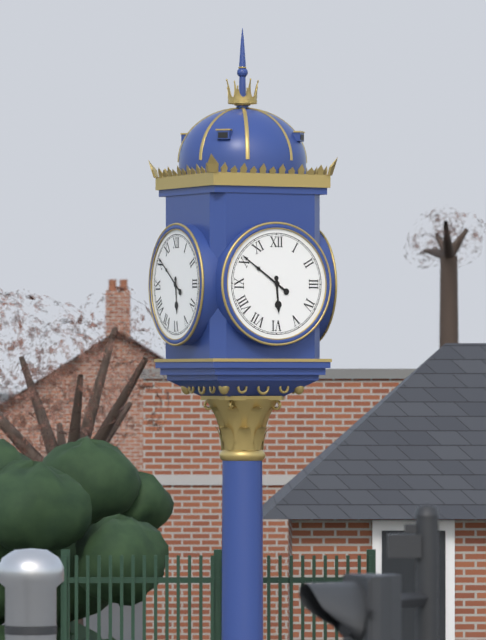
5,51
